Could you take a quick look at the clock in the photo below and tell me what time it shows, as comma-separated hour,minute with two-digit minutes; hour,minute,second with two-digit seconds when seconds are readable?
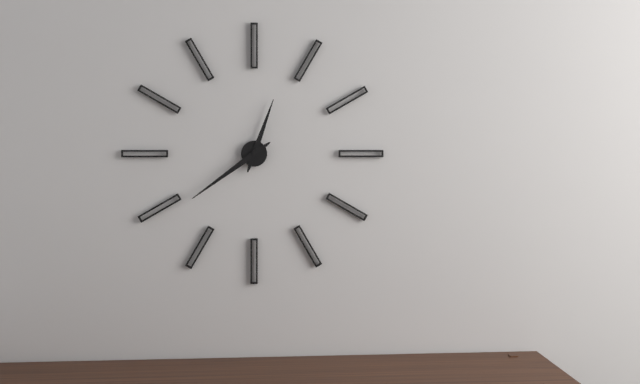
12,39
